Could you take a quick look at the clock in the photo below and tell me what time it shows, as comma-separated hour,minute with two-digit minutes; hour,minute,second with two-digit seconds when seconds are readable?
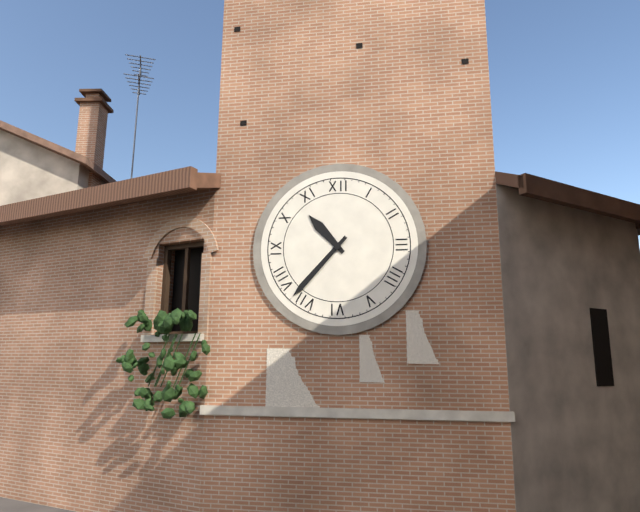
10,37
